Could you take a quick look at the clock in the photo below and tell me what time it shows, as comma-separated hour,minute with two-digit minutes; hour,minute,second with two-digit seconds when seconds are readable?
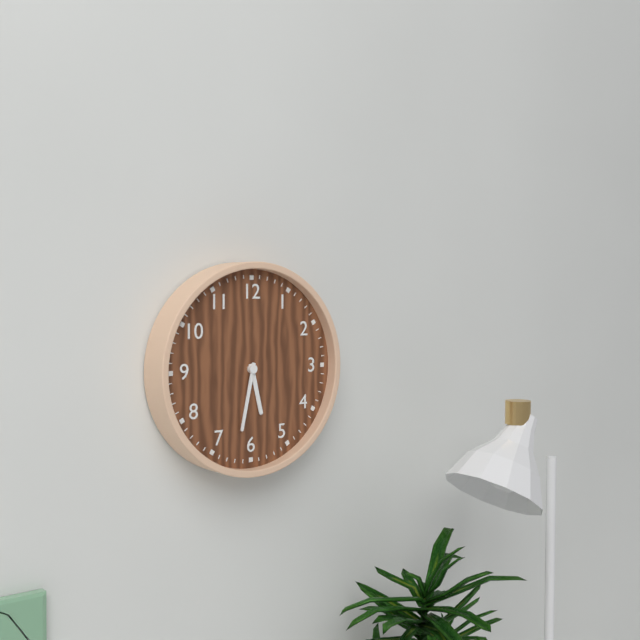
5,32
